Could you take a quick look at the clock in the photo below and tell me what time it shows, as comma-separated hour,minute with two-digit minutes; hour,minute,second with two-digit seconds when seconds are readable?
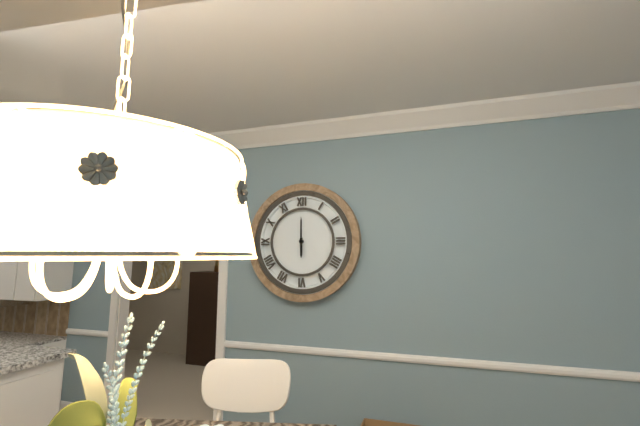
6,00
